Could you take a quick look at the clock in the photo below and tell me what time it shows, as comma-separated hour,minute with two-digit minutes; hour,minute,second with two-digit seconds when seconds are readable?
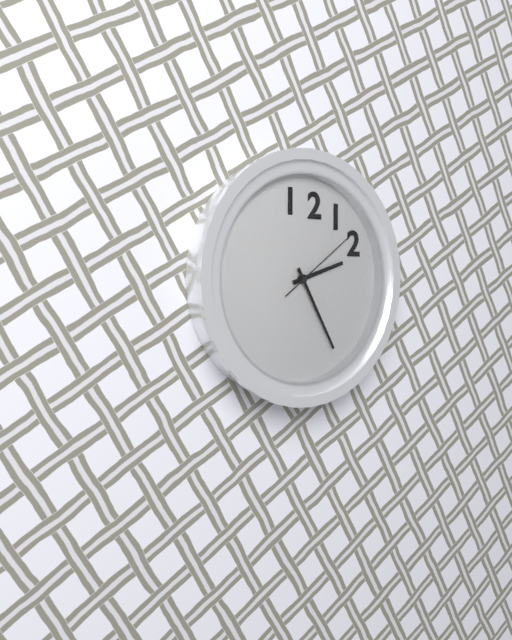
2,25,09
